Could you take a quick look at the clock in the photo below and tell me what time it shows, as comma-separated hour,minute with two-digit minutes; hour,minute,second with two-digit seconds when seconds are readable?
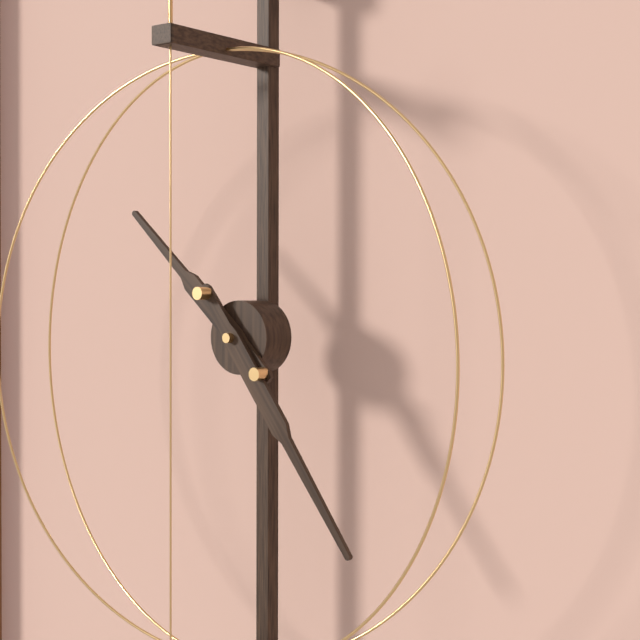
10,24
